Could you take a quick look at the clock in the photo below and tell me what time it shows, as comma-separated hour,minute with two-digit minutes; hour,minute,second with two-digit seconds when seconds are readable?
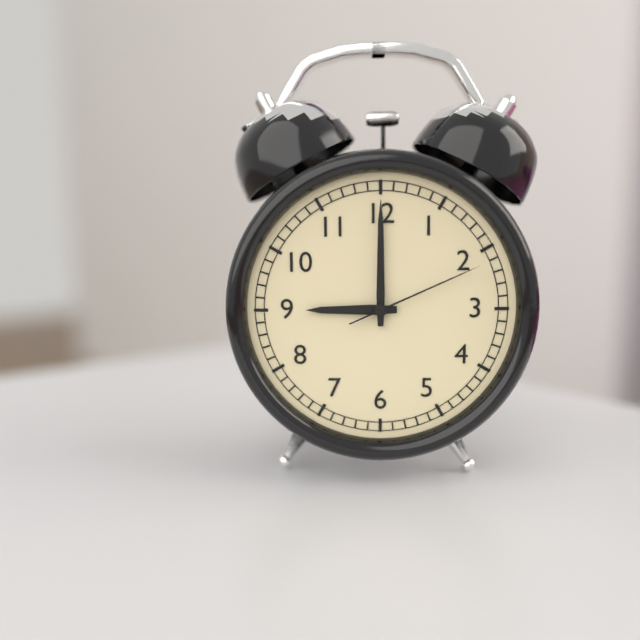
9,00,11
